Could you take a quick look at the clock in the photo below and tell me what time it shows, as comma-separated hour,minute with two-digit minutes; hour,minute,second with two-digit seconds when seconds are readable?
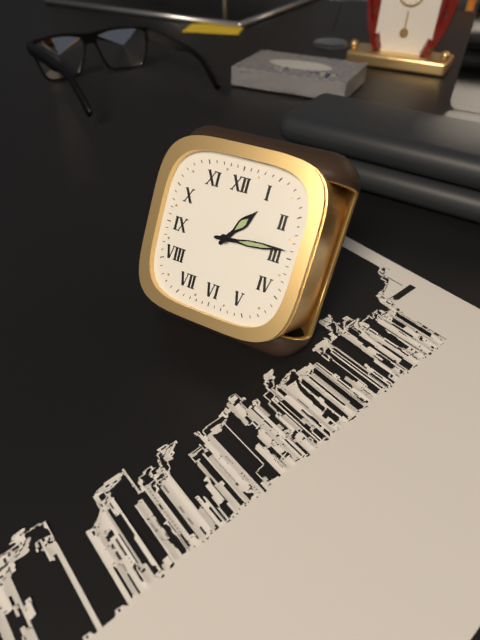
1,14
